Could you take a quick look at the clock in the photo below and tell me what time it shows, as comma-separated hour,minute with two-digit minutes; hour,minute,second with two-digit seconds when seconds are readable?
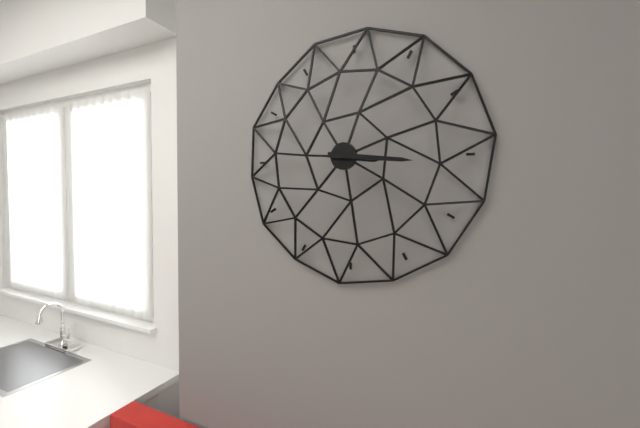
3,16
